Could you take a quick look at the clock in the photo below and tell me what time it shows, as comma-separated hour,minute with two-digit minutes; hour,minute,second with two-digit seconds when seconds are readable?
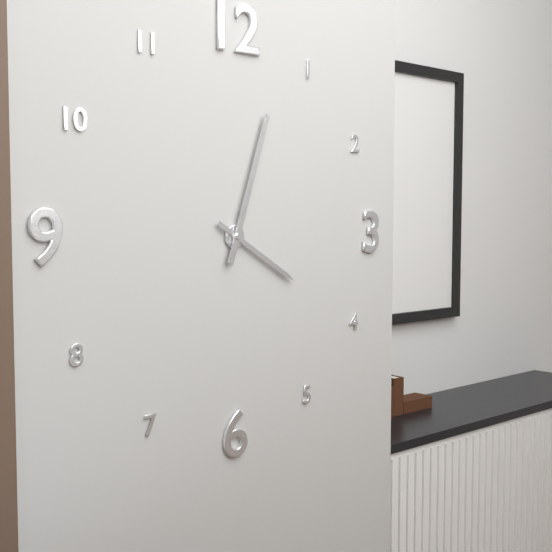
4,03
